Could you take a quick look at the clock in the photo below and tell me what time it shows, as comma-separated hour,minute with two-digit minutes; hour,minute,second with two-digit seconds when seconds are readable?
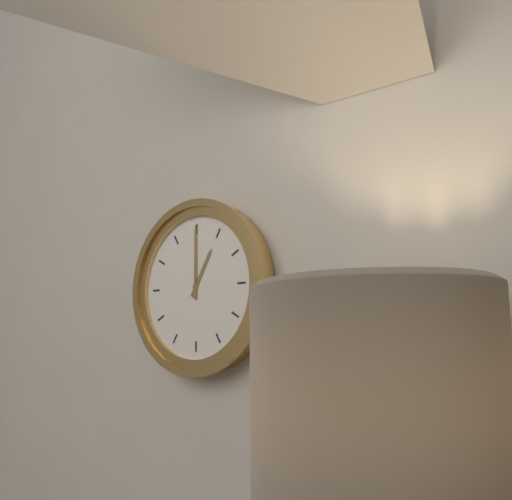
1,00
